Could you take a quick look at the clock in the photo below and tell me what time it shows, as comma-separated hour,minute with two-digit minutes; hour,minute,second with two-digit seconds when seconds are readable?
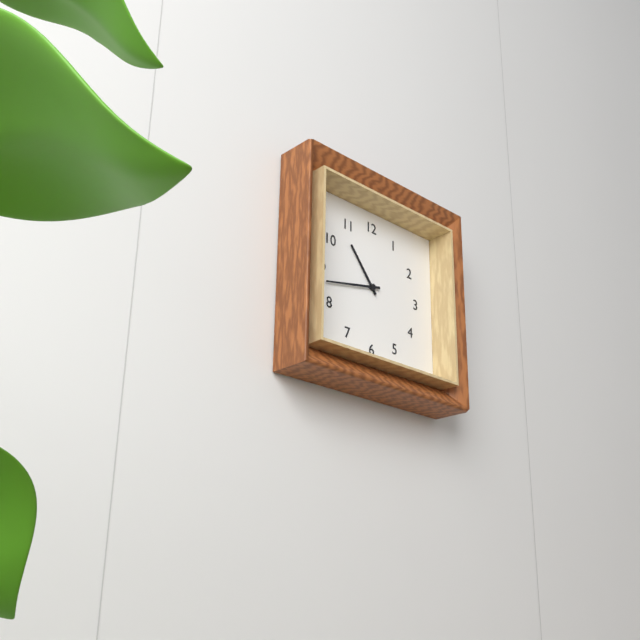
10,43
